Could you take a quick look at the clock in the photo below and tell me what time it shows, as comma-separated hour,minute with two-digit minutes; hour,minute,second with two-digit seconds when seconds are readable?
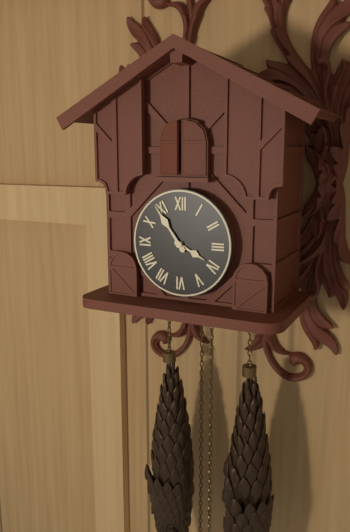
3,54
